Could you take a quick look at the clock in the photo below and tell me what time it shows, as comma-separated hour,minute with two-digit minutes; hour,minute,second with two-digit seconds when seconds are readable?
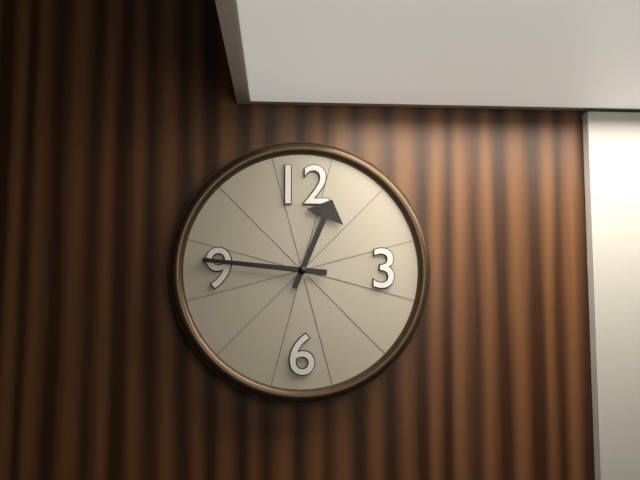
12,46
